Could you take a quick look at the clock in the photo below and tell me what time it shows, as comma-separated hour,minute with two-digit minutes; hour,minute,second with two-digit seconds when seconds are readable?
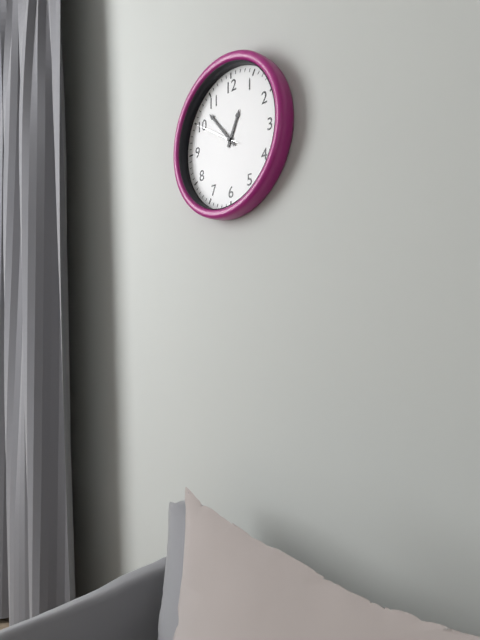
12,53
